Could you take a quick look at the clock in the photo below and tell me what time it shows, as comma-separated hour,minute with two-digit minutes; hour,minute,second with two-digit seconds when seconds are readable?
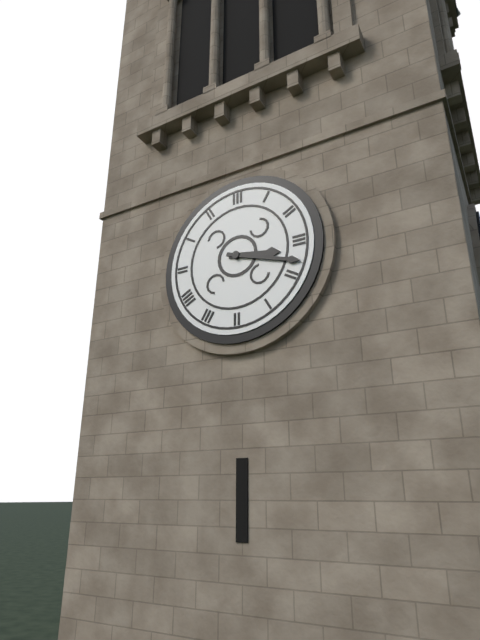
3,18
